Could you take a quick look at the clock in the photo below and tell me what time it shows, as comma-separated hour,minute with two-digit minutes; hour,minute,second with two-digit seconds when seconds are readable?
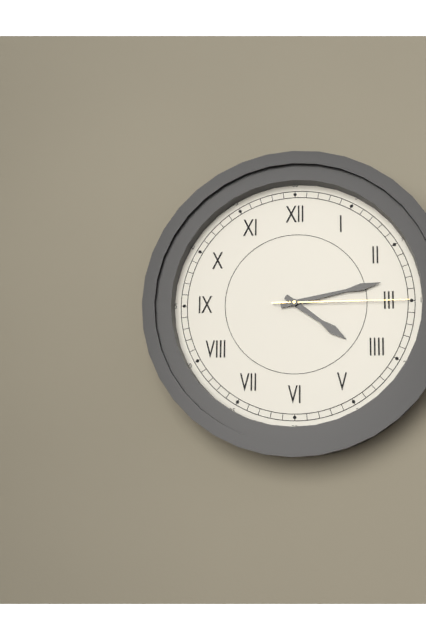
4,13,15
